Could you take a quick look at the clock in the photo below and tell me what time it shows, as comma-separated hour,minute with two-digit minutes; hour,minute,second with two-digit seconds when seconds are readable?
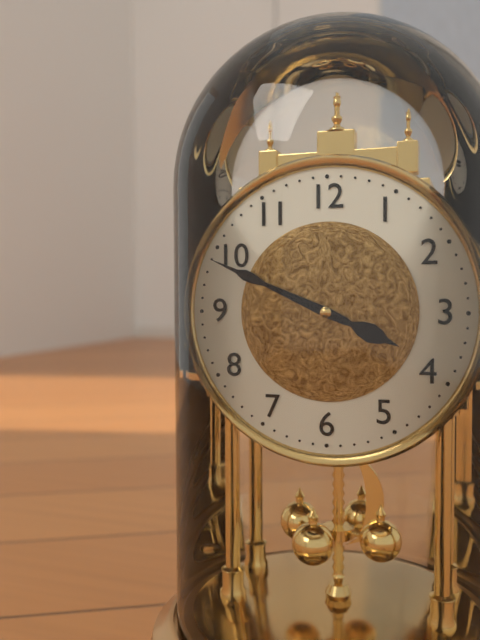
3,49
